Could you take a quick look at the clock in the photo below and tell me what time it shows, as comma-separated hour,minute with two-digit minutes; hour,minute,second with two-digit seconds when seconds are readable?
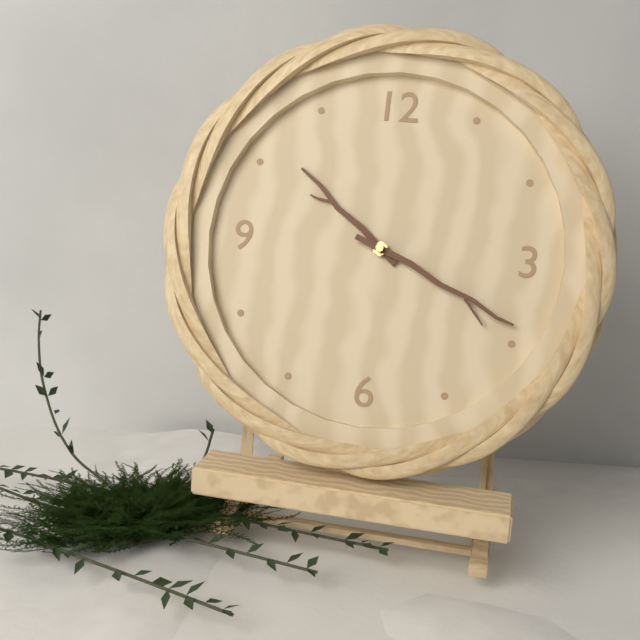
10,19
